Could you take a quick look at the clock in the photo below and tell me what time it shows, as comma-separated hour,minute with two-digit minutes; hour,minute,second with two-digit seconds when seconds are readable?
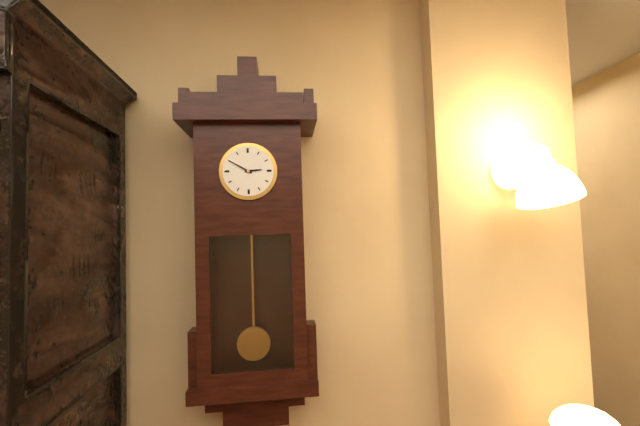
2,50
